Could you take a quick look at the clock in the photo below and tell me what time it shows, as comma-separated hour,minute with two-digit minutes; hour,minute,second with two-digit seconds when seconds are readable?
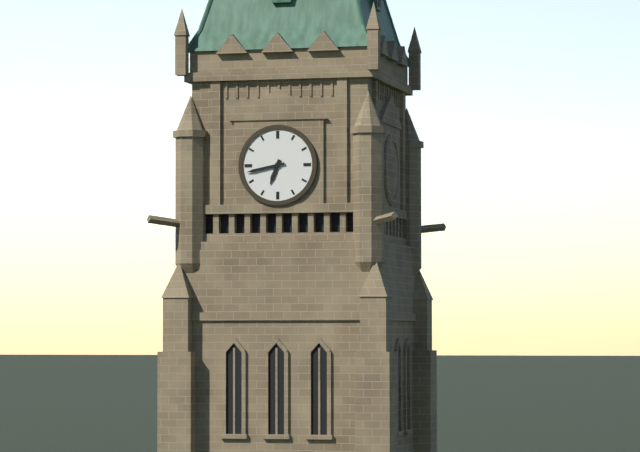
6,43
